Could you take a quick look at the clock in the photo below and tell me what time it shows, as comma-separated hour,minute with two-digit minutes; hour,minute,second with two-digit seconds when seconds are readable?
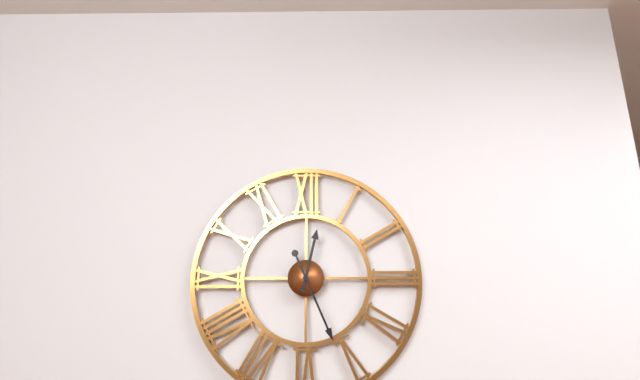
12,26
